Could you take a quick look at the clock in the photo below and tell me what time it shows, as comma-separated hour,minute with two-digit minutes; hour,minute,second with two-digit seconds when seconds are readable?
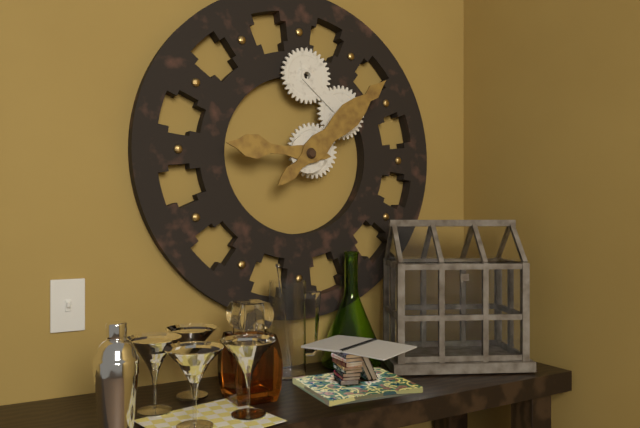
9,08
